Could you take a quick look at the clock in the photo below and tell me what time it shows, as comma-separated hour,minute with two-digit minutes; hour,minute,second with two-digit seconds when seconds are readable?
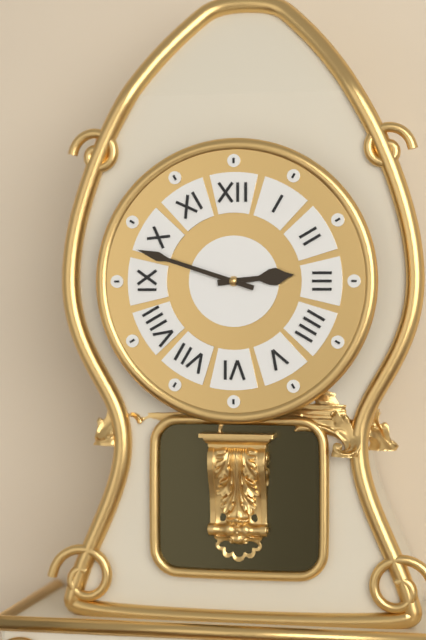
2,48
